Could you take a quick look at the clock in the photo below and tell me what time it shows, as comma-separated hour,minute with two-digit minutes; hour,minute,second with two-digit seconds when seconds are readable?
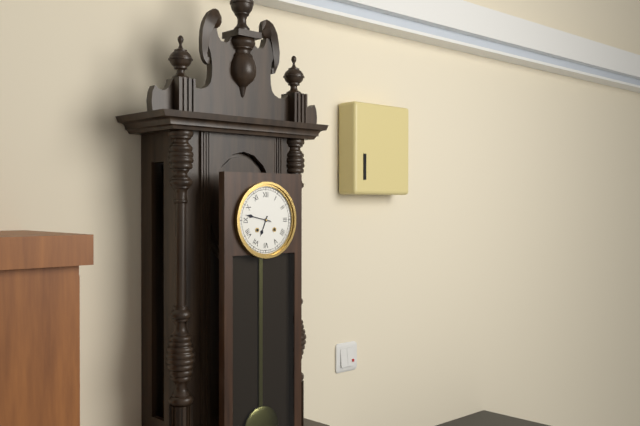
6,47
